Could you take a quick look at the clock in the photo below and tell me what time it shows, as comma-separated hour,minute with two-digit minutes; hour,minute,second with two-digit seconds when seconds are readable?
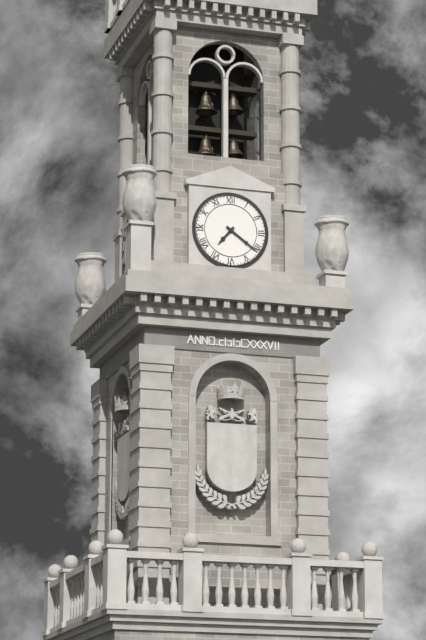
7,21
